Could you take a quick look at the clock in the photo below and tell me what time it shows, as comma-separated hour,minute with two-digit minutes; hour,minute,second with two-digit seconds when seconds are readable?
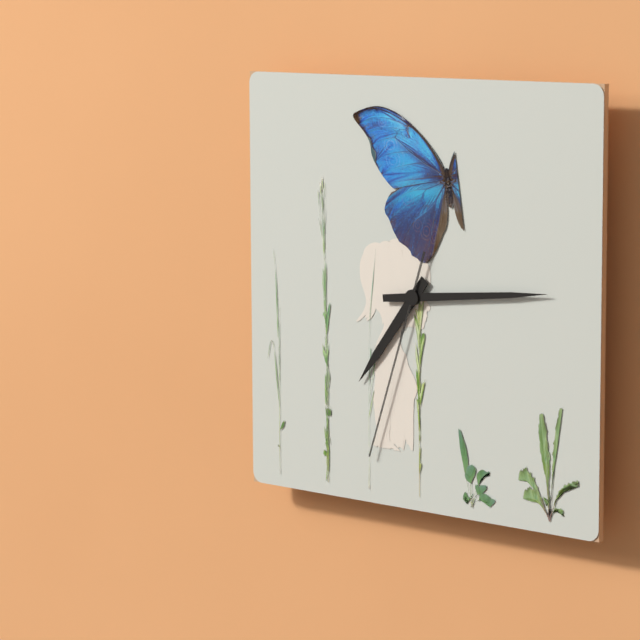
7,14,33
